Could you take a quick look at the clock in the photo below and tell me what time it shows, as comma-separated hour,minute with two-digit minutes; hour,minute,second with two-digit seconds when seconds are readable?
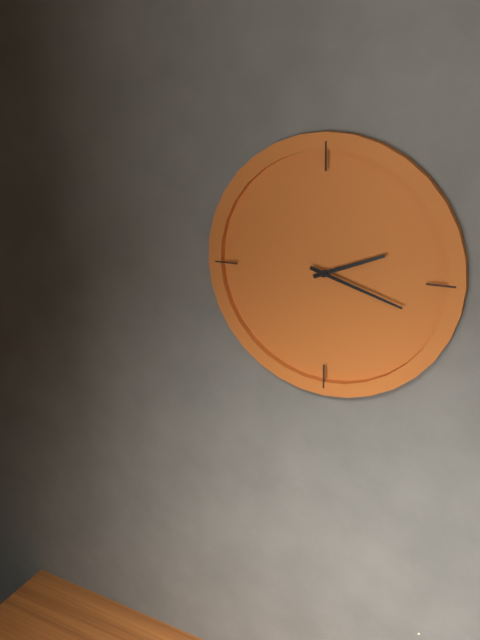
2,18
